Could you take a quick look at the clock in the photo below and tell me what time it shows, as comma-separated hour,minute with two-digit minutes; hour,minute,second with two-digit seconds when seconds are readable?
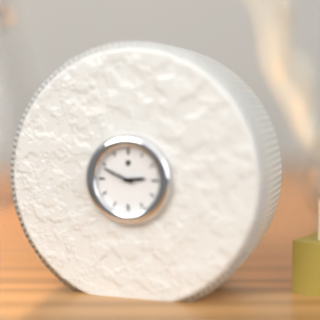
2,49
